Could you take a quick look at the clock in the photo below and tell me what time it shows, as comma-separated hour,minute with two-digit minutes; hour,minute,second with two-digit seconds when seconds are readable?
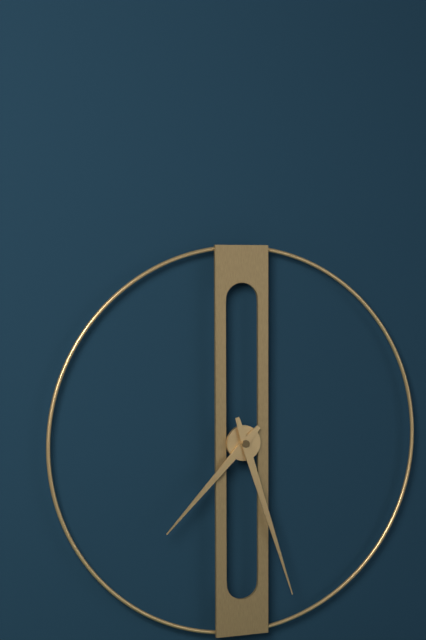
7,27
